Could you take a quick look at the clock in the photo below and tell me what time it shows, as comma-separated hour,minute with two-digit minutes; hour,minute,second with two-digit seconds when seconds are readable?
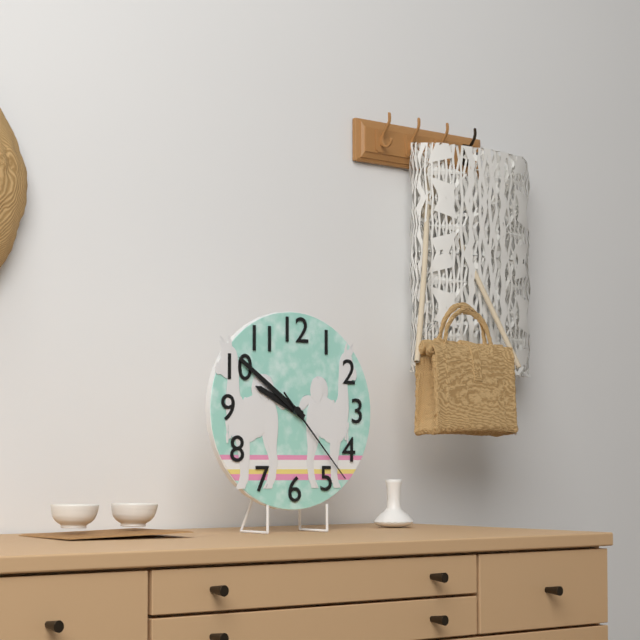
9,51,23
